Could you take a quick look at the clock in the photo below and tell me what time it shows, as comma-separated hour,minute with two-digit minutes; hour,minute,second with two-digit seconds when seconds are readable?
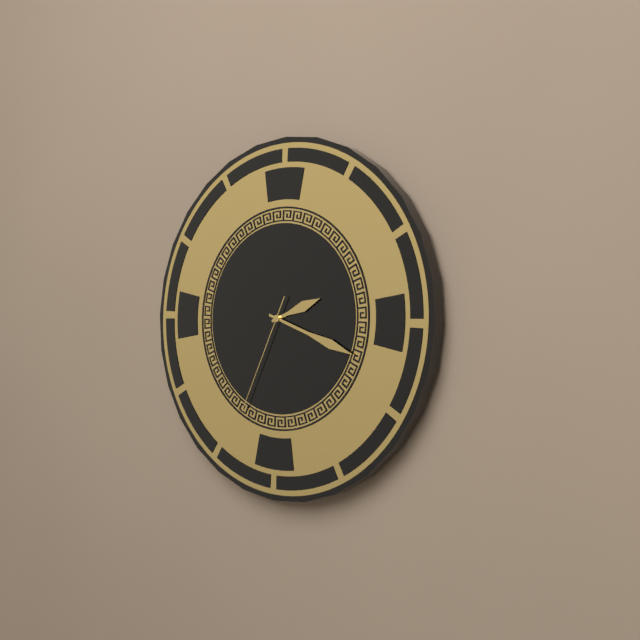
2,18,34
